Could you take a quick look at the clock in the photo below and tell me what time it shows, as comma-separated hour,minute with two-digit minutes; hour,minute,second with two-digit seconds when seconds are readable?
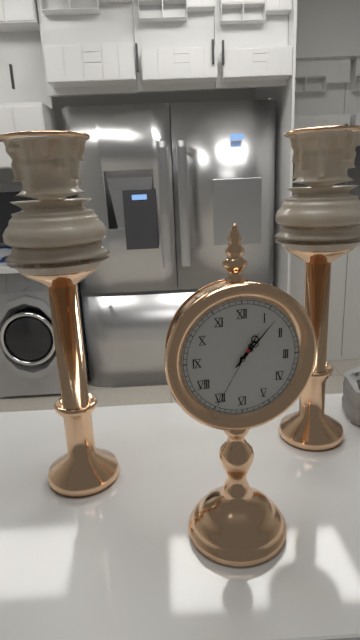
1,07,35
